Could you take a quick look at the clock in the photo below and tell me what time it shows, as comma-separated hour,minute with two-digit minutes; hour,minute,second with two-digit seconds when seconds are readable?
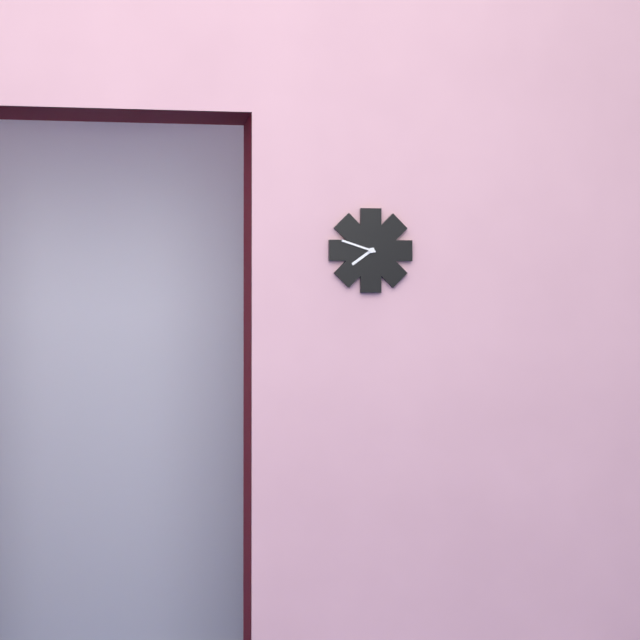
7,48
